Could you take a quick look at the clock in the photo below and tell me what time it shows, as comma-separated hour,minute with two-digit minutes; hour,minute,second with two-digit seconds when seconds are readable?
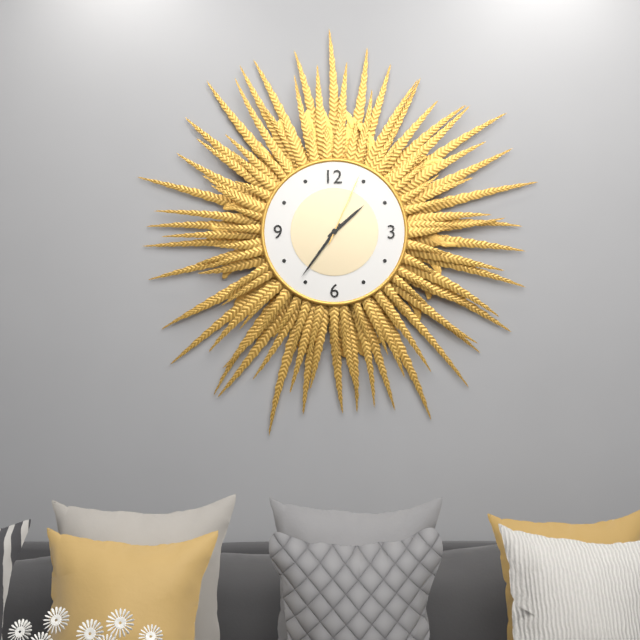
1,36,04
